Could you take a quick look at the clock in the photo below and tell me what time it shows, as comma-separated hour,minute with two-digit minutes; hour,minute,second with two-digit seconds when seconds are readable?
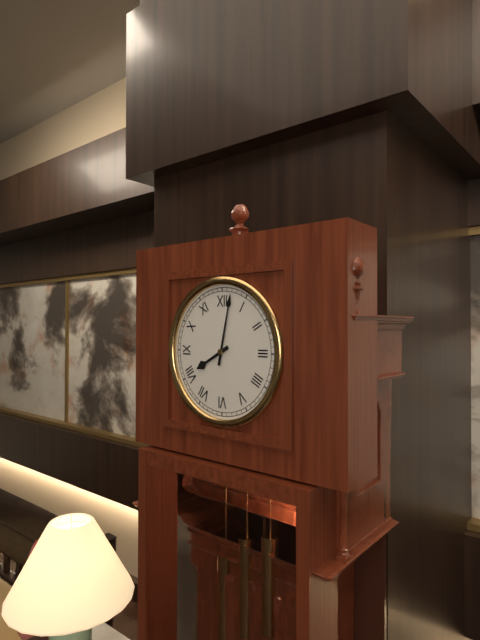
8,02
